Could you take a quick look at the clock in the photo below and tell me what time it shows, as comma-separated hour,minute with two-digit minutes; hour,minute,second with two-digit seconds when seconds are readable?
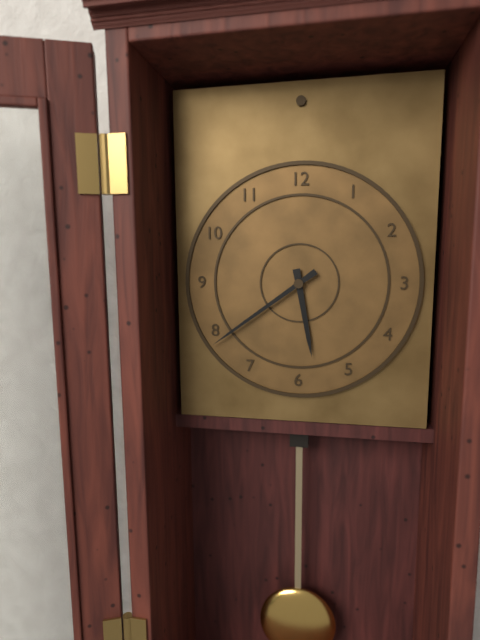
5,39
